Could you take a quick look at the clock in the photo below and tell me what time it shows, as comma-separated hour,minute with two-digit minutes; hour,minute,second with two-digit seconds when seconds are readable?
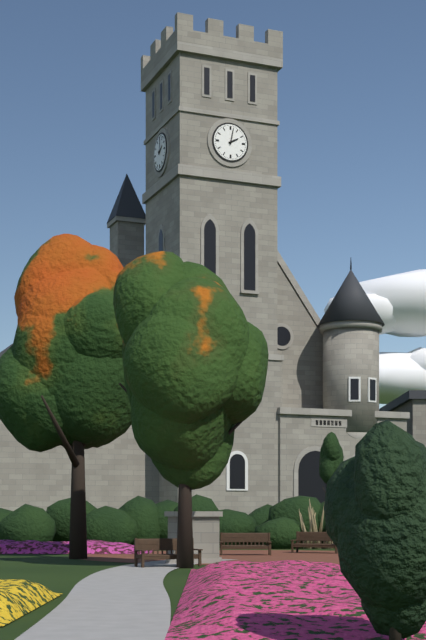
2,02
